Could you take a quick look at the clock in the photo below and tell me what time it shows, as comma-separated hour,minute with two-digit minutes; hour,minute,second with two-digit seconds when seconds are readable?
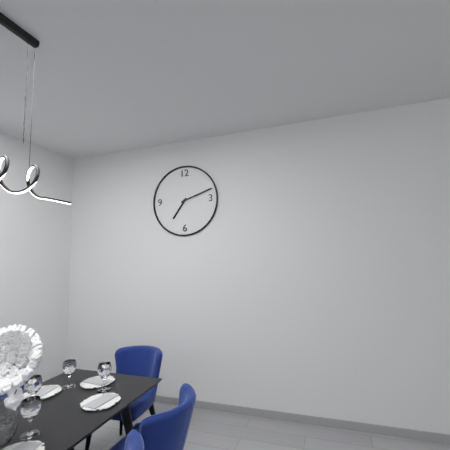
7,12
